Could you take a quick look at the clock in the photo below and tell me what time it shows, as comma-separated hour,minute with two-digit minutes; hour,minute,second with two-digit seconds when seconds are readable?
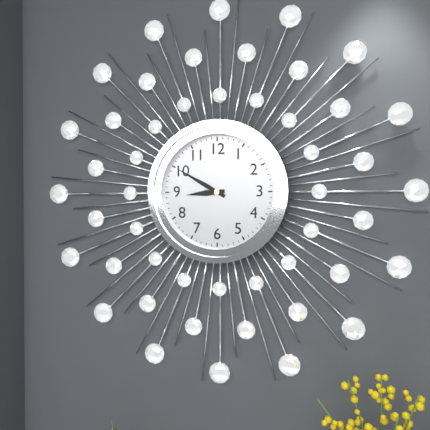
8,50
